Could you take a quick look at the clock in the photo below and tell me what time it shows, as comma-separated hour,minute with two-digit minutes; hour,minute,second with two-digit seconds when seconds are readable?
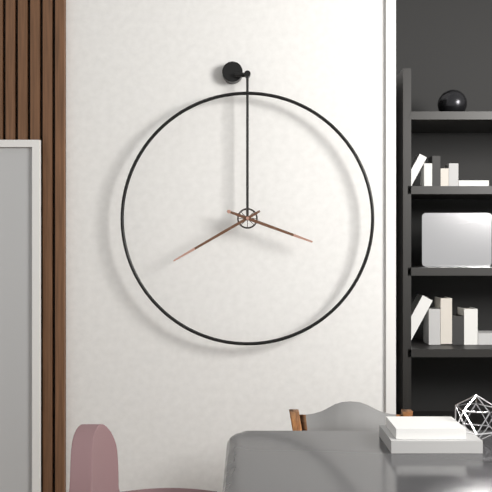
3,40
